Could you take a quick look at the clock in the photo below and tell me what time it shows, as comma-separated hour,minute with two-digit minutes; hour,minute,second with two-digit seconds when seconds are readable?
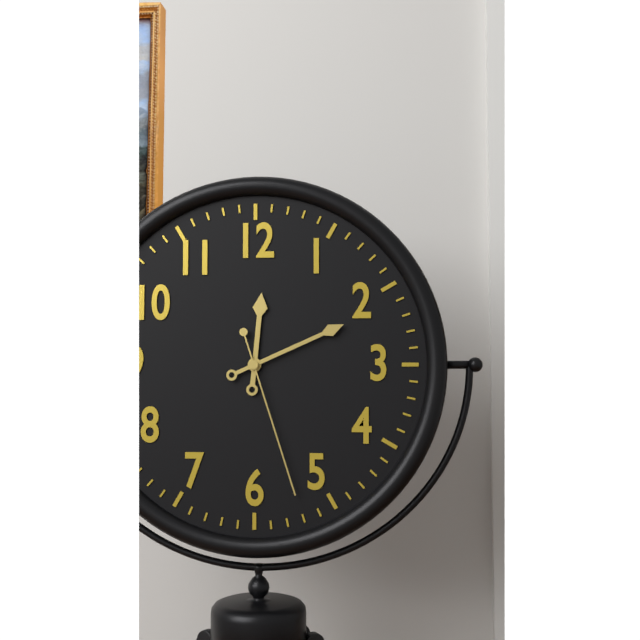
12,11,27
